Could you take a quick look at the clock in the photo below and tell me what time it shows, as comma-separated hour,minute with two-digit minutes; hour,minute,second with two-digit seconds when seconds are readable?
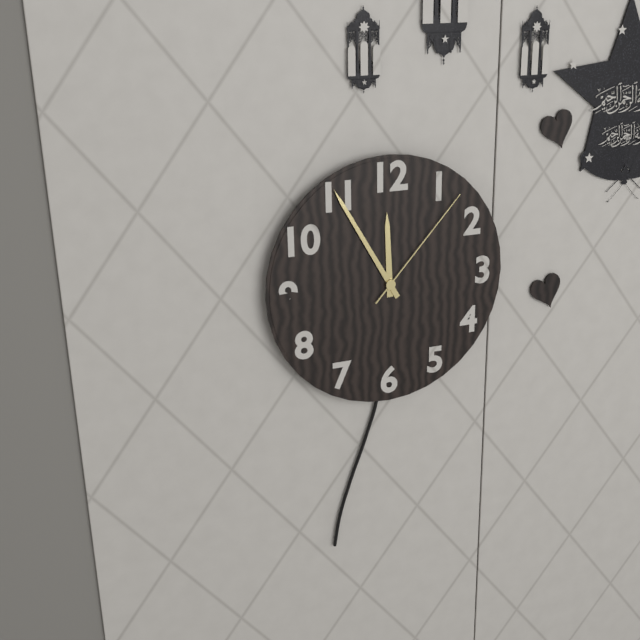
11,55,07
